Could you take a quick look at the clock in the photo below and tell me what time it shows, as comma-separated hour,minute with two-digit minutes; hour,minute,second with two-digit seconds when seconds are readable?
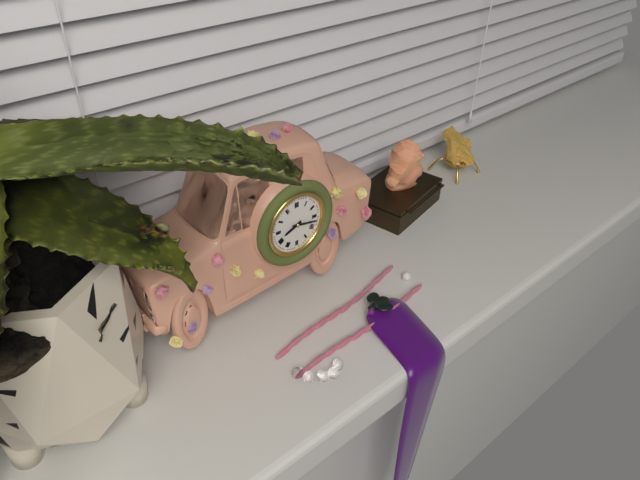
8,17
